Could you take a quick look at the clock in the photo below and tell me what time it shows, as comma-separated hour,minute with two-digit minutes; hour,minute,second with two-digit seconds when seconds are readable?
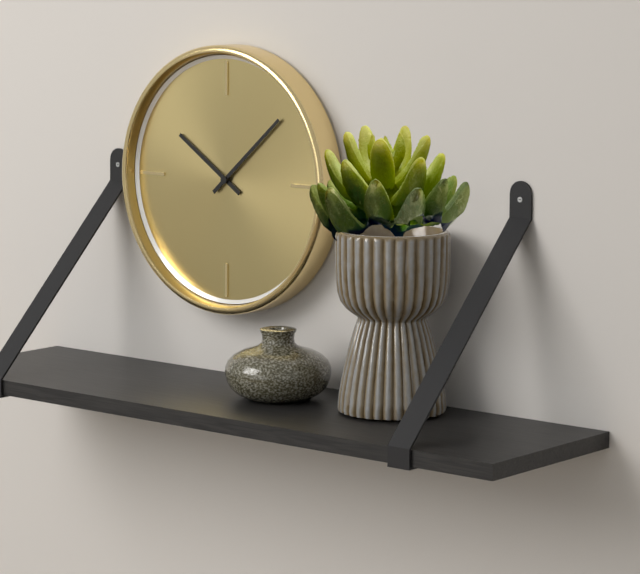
10,08
